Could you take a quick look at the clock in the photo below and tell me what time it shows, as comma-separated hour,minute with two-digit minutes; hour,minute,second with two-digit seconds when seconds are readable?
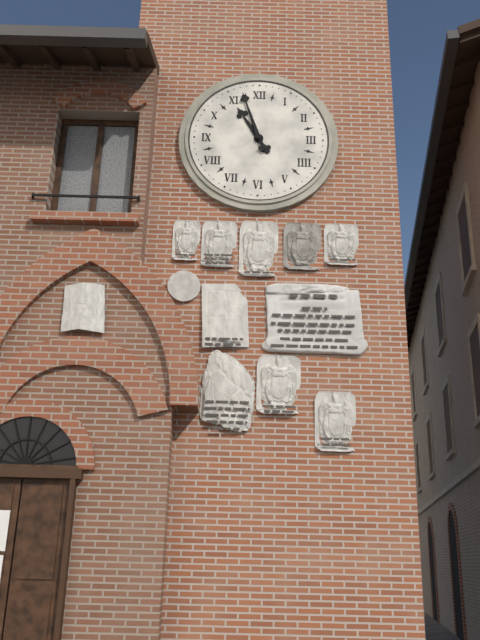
10,57
